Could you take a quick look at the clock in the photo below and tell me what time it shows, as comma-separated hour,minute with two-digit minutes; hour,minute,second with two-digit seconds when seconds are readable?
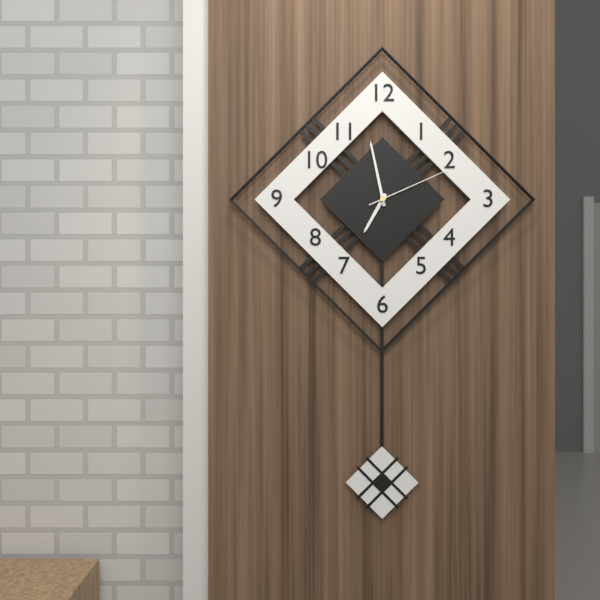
6,58,11
